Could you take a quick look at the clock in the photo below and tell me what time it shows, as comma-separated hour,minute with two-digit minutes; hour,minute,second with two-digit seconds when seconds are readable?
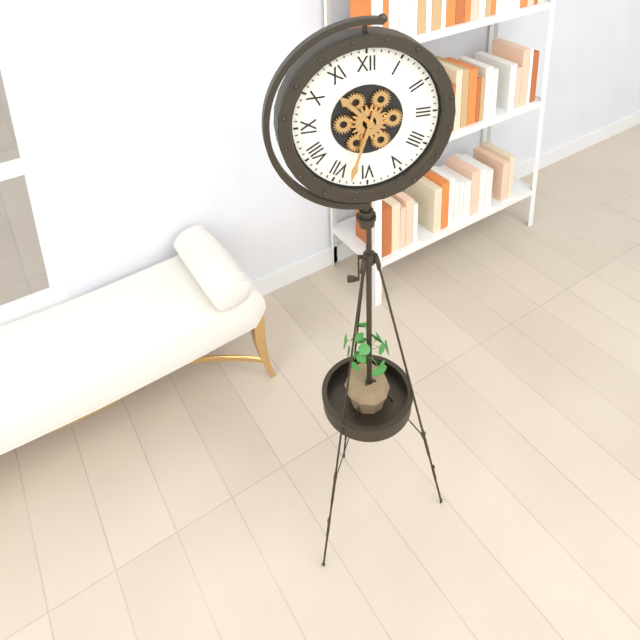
10,33
